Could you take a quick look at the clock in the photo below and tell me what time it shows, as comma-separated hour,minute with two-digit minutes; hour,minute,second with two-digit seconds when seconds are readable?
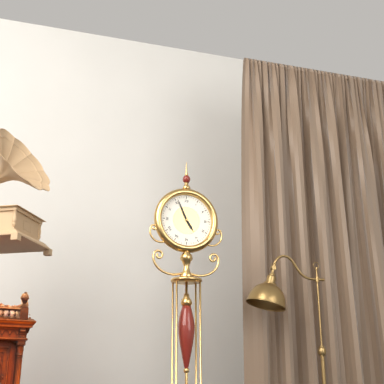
4,56
